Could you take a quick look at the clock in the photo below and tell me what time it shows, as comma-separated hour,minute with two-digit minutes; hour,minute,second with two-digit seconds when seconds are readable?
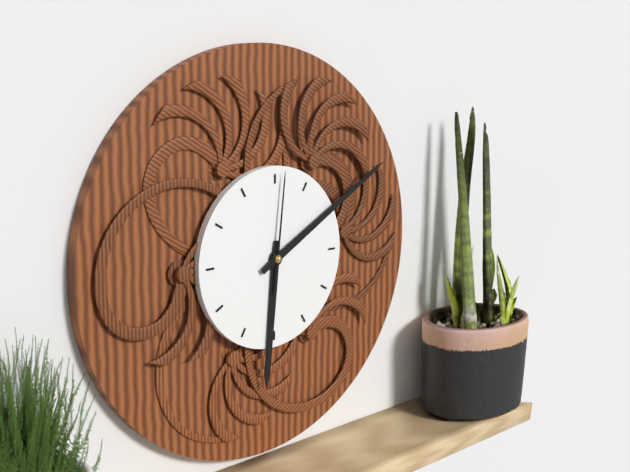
6,10,01
